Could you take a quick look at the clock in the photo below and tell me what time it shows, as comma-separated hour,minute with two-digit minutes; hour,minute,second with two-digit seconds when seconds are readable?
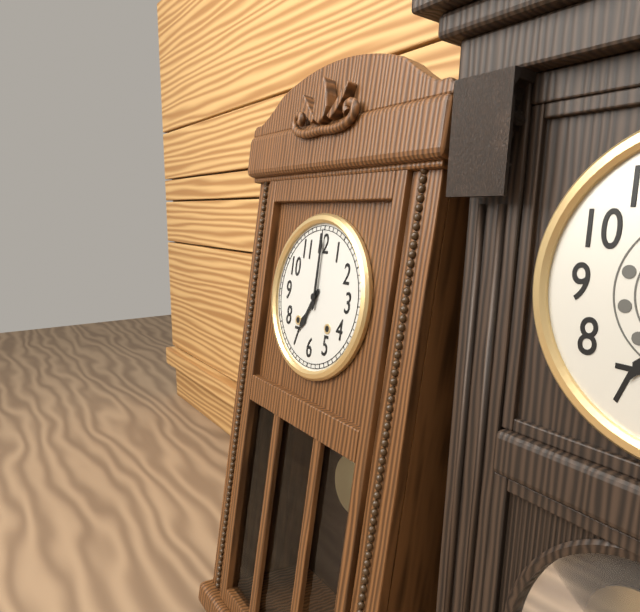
7,00
